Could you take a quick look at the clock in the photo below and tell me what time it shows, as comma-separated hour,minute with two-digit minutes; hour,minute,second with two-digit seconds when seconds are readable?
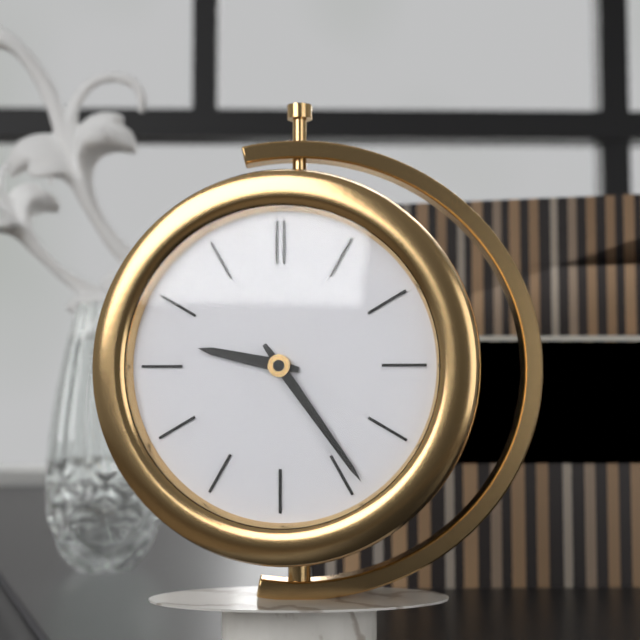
9,24
